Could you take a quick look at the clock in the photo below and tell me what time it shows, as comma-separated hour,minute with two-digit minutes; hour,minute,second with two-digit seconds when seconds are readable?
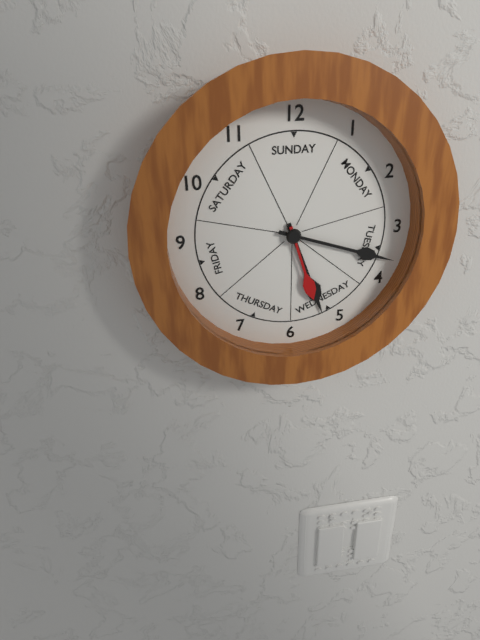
5,18,27
